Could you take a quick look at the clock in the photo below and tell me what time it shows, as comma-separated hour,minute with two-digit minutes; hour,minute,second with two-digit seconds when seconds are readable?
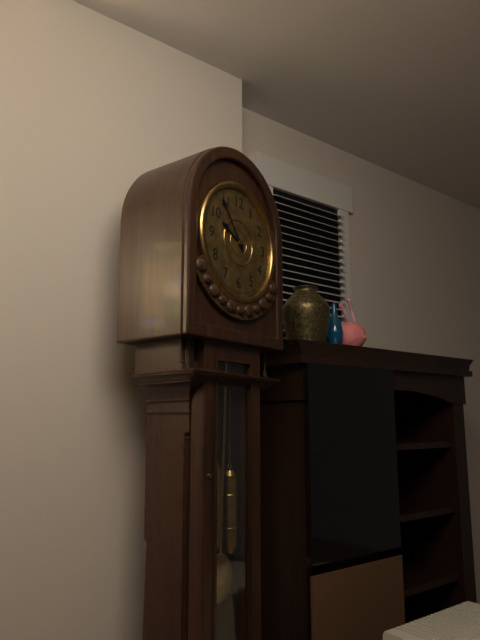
9,54
